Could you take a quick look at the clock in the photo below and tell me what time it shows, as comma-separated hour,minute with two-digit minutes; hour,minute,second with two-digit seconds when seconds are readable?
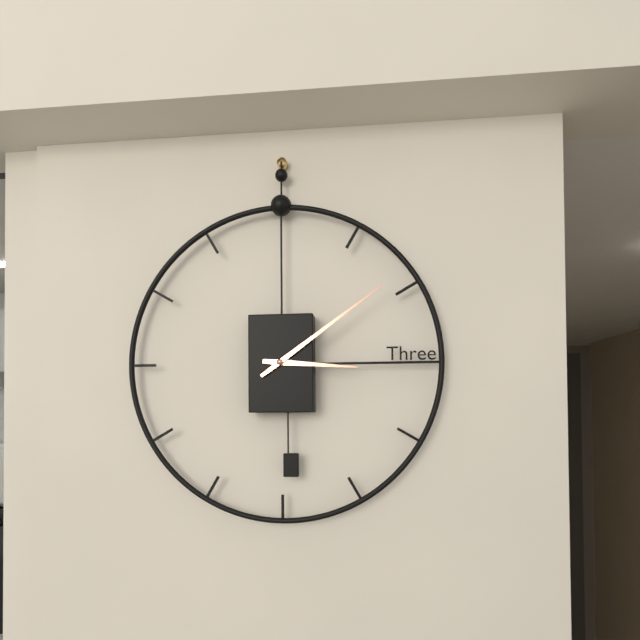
3,09
